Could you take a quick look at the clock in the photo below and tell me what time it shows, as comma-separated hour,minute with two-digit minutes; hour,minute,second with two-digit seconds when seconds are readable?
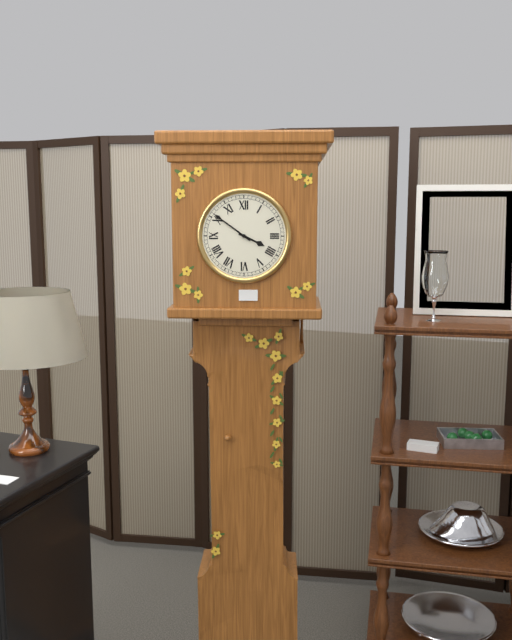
3,51
